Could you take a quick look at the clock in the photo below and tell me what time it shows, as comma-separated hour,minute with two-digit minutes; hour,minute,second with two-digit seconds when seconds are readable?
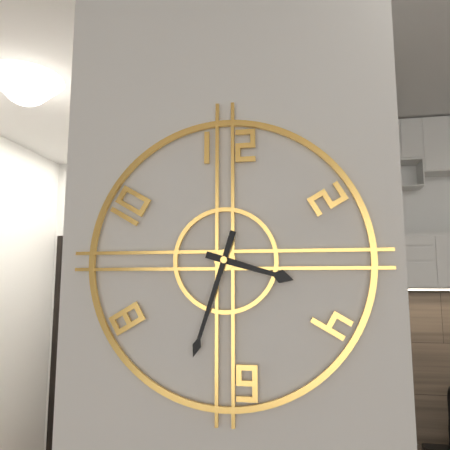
3,33
